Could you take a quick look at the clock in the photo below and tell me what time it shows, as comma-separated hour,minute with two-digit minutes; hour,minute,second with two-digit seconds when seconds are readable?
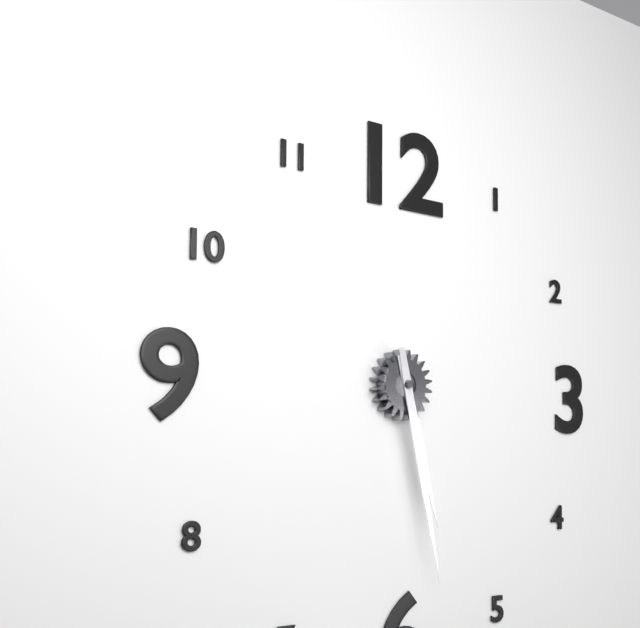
5,28
